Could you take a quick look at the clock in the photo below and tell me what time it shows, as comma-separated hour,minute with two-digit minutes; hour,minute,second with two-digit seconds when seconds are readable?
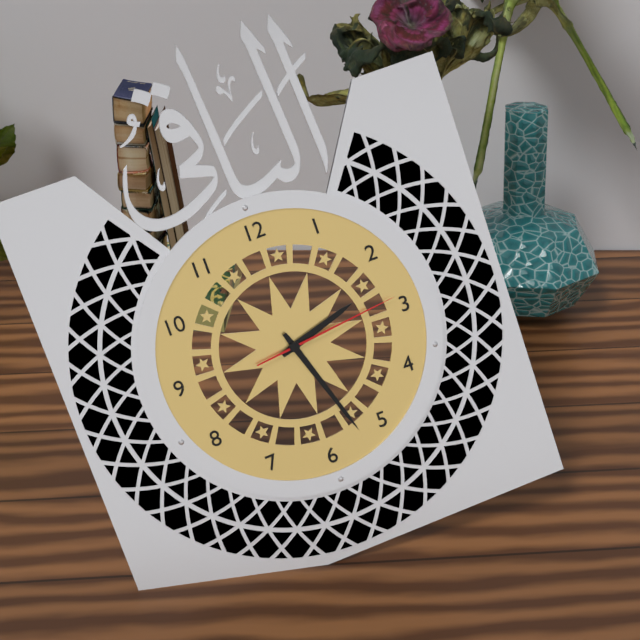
2,27,14
